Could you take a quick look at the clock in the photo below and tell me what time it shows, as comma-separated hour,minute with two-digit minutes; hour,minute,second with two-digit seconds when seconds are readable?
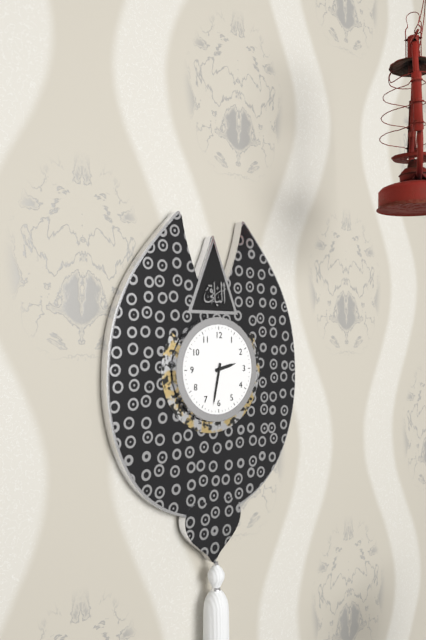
2,32
